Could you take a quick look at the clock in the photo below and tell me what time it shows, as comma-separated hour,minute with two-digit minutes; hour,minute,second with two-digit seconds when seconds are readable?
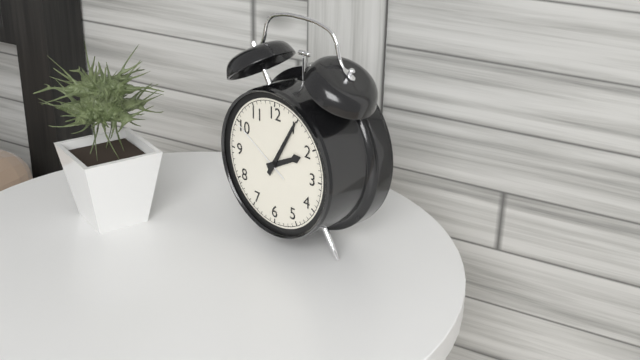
2,05,50
